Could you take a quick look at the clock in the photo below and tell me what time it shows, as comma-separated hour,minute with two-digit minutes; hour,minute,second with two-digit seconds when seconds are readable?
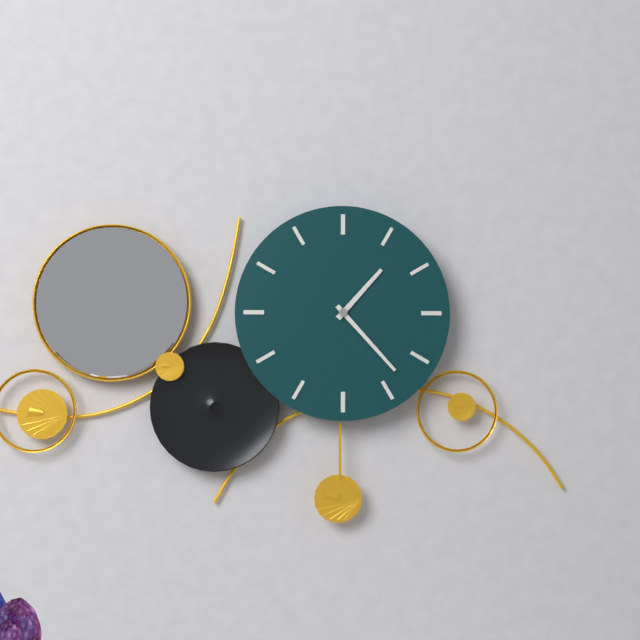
1,23
